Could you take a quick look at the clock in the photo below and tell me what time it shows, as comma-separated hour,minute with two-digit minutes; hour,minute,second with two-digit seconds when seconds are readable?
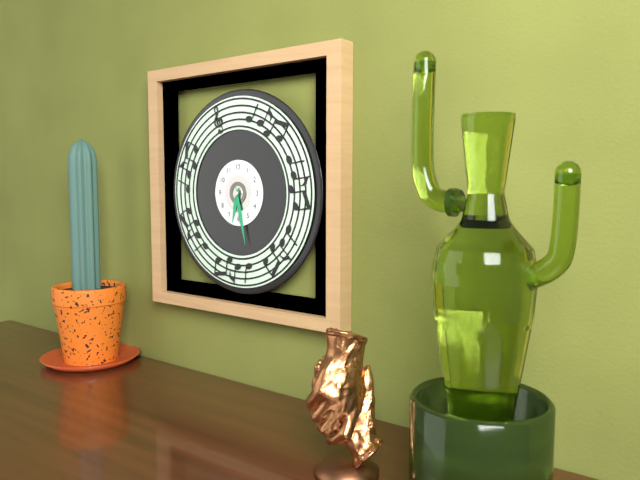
6,28
